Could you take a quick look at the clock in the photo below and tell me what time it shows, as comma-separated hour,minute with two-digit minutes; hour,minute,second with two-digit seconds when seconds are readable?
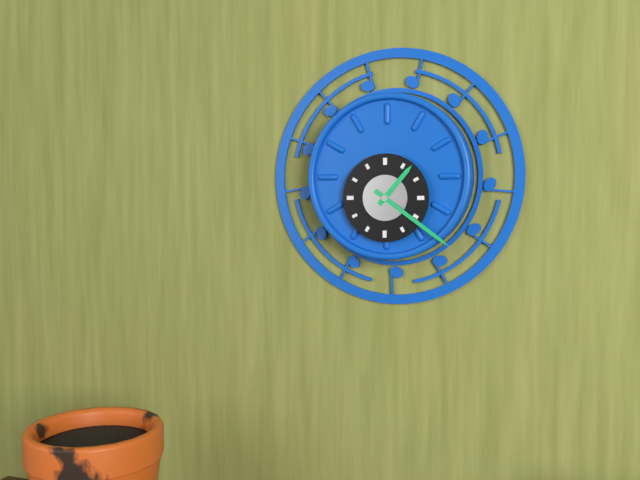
1,21
